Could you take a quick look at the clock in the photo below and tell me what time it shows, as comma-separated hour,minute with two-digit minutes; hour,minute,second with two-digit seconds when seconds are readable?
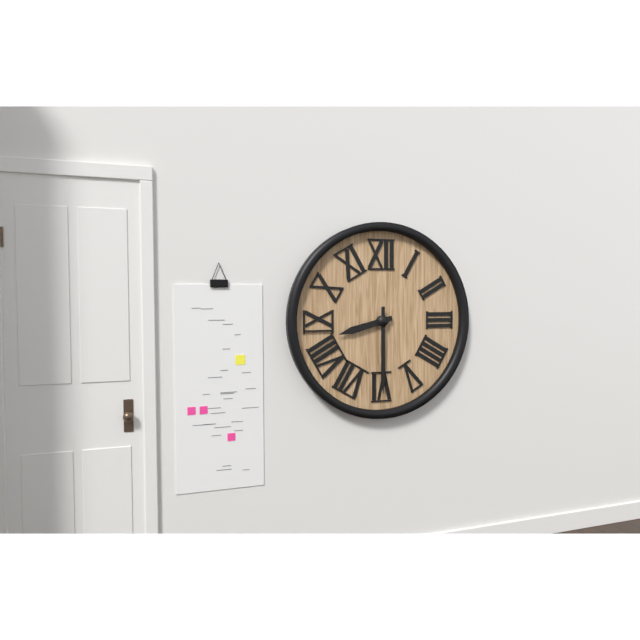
8,30
